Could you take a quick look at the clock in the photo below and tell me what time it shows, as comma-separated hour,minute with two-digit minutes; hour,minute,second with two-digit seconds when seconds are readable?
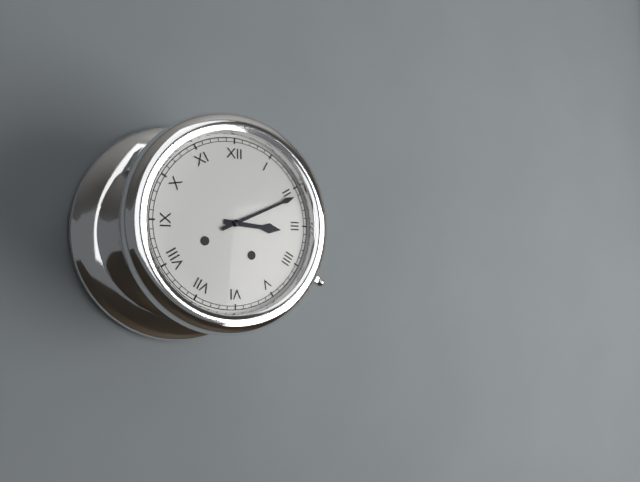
3,11
